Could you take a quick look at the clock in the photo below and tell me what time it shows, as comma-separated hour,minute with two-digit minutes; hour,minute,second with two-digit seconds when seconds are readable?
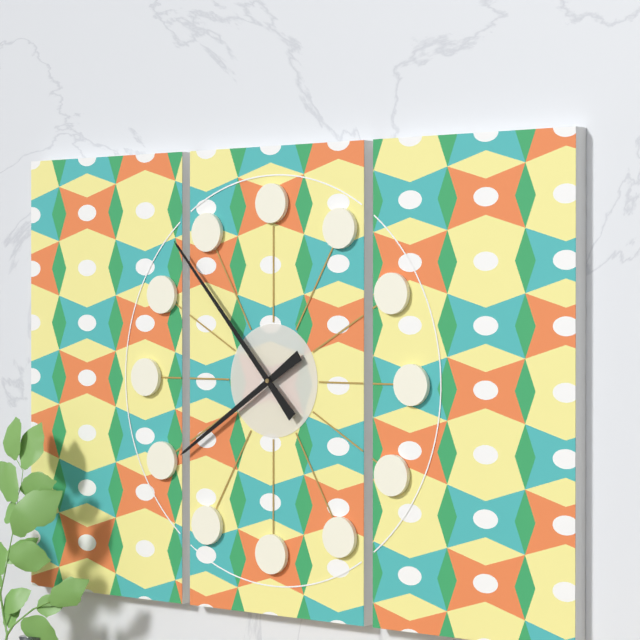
7,53
